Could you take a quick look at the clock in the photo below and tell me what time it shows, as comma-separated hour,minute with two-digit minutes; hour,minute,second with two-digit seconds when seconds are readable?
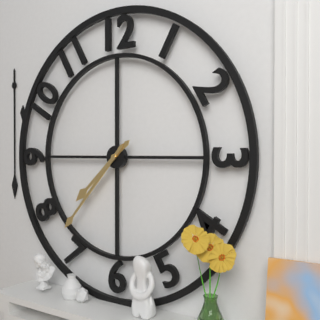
7,37
